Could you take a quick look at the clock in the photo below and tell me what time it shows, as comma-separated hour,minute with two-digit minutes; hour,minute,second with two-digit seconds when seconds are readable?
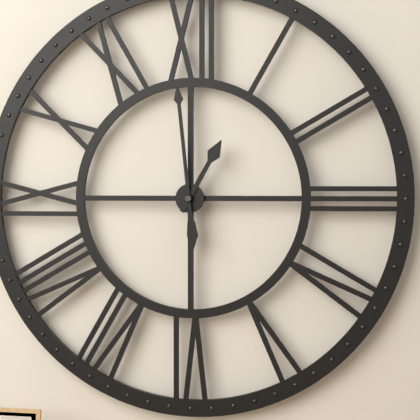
12,59
